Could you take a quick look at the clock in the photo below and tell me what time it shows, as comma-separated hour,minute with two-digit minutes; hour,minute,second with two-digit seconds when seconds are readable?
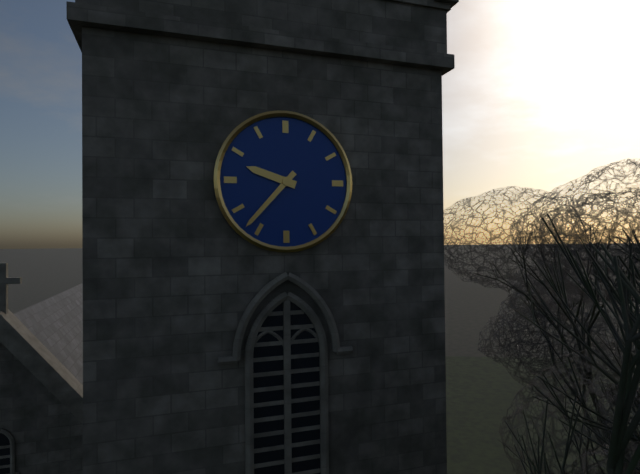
9,37
